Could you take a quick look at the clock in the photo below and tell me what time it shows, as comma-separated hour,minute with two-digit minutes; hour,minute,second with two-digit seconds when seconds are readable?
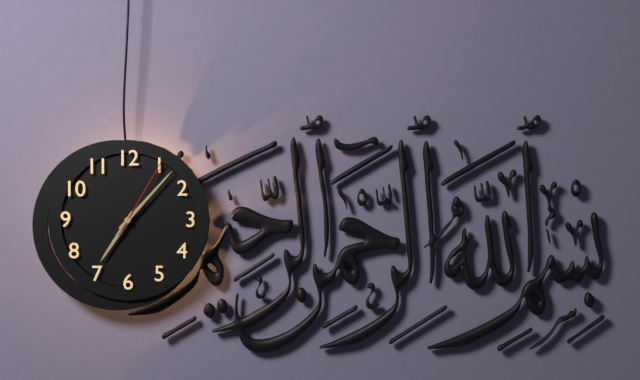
7,07,05
